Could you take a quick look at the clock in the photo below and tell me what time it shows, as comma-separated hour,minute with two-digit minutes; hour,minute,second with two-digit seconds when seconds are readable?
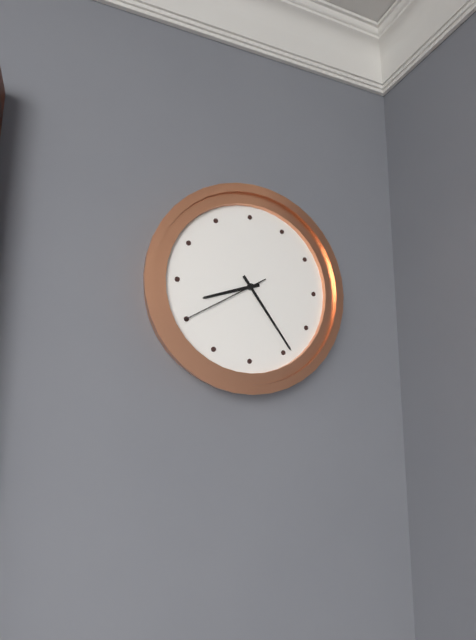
8,24,40
